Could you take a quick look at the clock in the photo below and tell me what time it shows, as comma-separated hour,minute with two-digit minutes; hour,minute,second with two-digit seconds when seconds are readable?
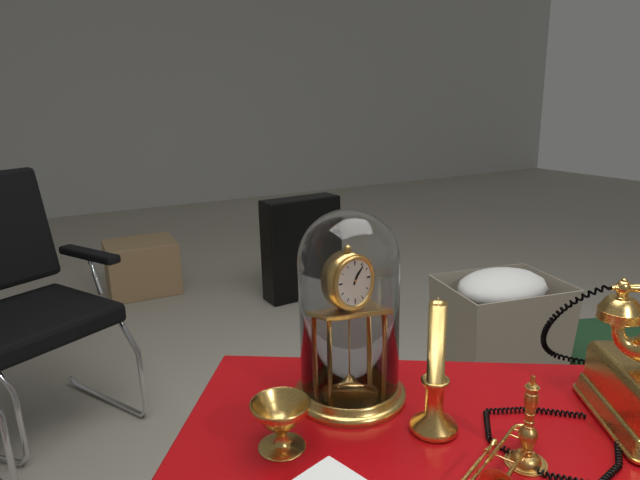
1,06
